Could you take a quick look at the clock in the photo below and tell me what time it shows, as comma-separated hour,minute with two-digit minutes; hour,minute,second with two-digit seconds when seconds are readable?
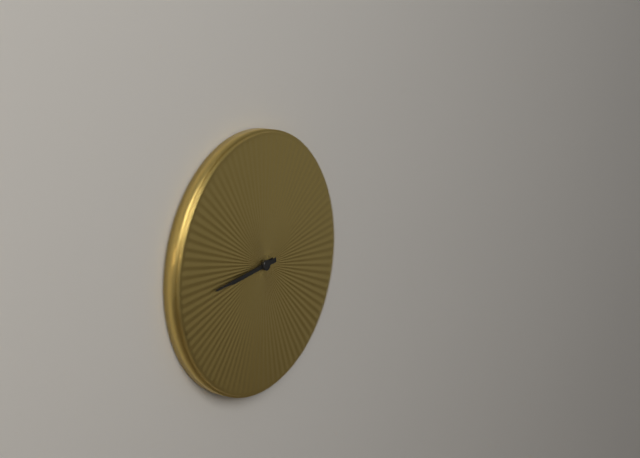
8,44
